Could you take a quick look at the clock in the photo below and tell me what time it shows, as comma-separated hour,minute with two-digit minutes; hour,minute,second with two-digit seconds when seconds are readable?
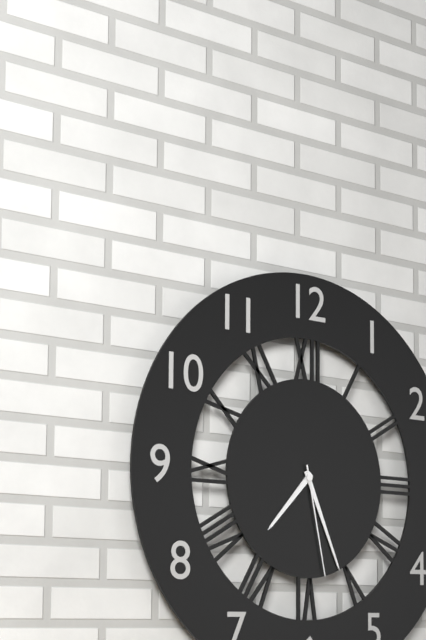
7,26,28
